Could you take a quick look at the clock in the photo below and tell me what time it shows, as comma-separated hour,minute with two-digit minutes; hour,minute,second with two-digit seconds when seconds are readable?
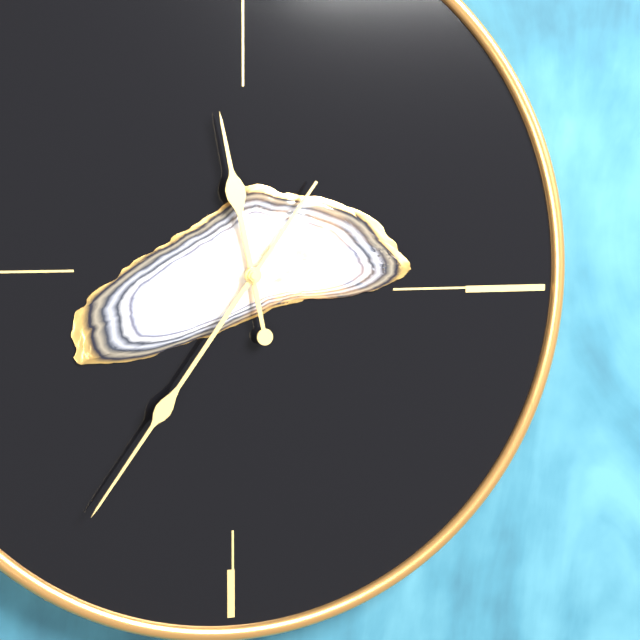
11,36
